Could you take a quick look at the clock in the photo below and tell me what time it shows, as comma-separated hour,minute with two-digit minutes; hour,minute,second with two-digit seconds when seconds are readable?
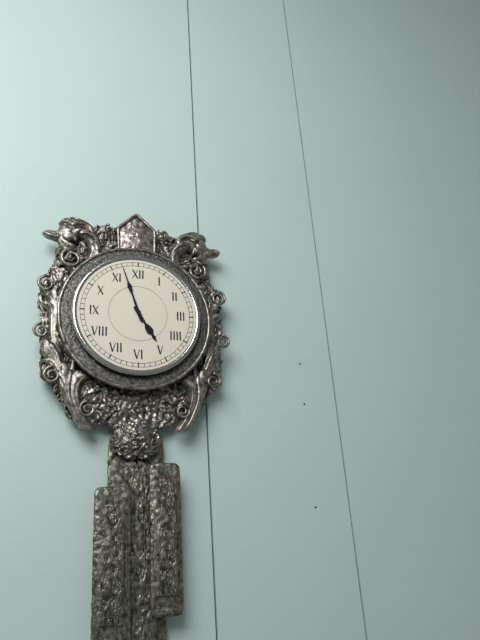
4,57
